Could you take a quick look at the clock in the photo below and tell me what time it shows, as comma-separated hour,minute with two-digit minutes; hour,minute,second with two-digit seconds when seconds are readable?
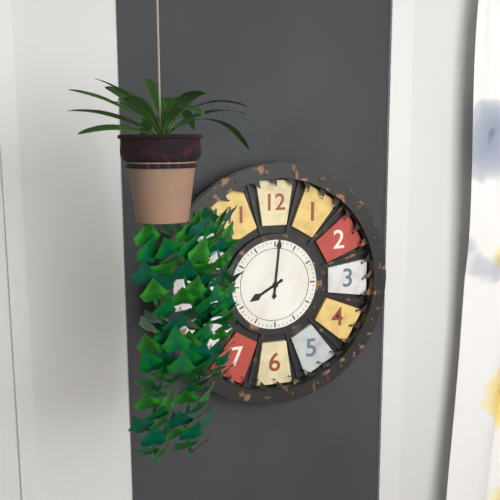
8,01
